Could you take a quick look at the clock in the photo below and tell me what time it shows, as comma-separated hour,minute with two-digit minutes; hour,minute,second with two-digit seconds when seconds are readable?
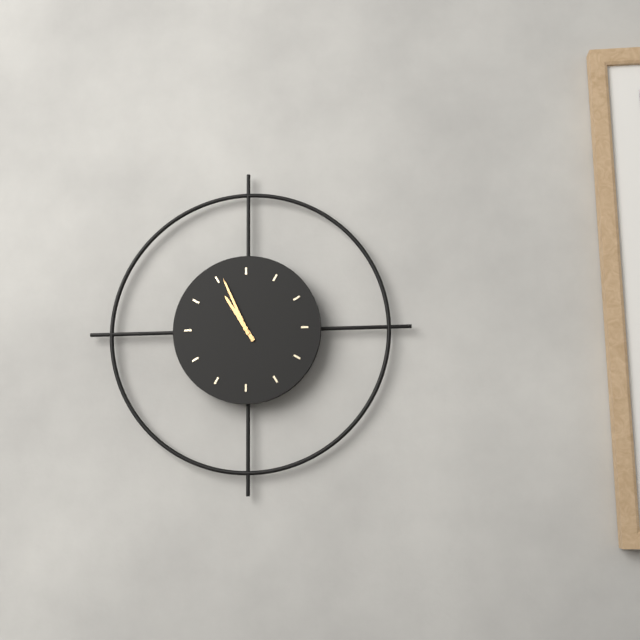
10,56
